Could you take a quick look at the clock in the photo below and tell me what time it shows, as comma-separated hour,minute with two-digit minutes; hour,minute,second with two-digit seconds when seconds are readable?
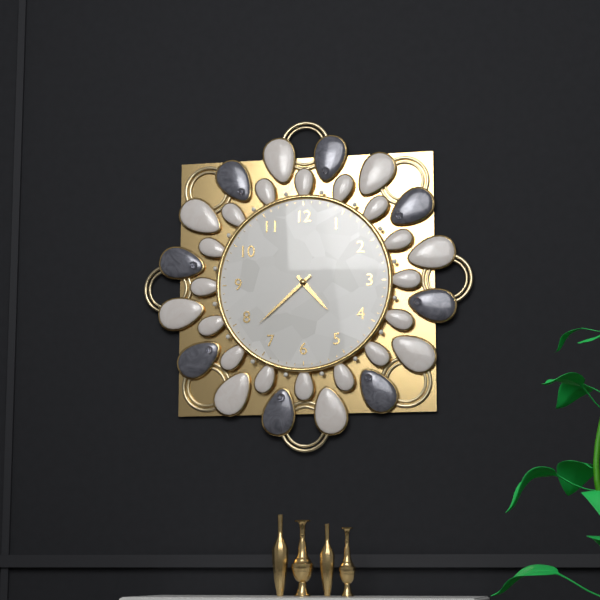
4,38
